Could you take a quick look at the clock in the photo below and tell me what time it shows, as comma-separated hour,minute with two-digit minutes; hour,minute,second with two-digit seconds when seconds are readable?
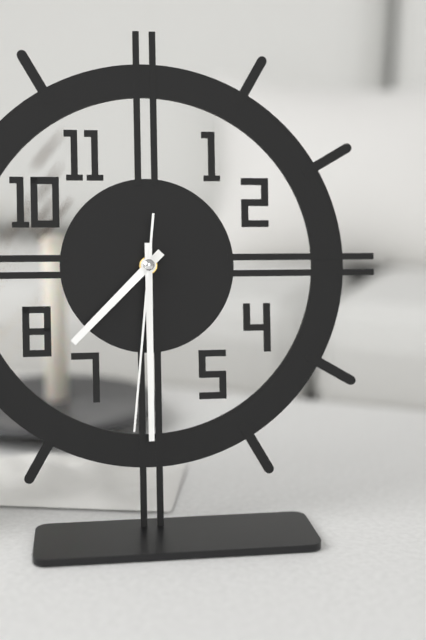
7,30,31
